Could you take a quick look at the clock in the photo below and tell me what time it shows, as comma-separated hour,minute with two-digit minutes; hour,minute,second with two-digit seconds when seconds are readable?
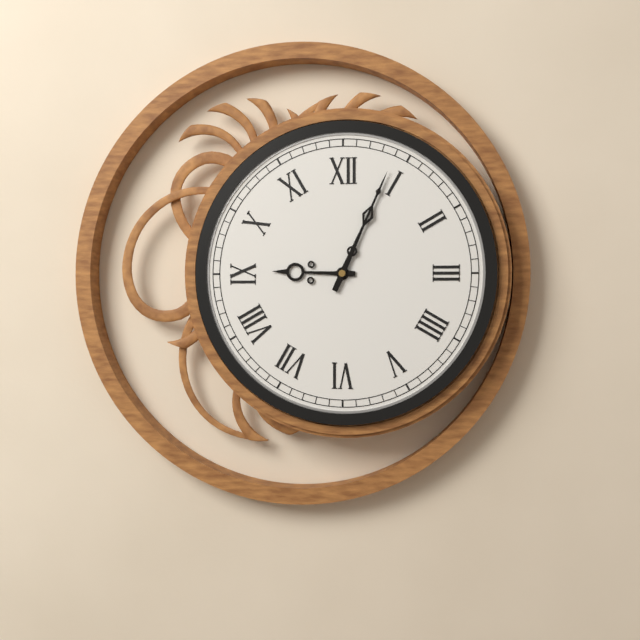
9,04
